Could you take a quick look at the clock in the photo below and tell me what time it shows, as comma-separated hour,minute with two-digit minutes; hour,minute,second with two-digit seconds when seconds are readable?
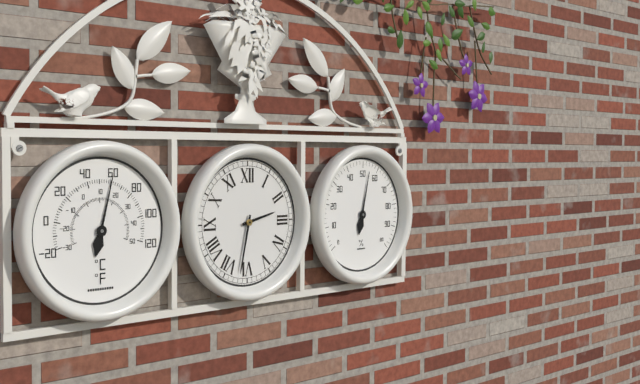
2,32
